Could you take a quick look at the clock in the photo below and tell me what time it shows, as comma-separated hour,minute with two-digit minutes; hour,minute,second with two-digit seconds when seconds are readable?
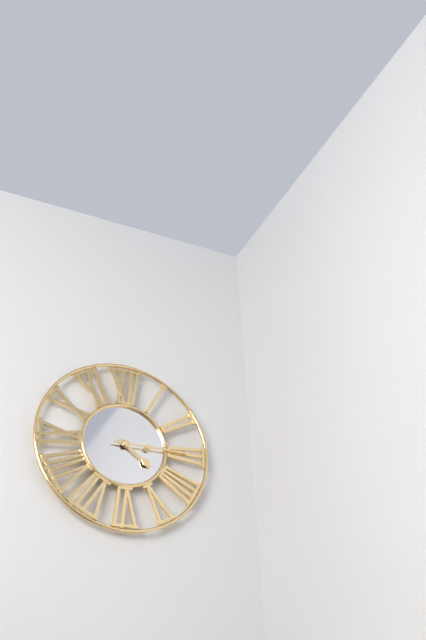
4,15
